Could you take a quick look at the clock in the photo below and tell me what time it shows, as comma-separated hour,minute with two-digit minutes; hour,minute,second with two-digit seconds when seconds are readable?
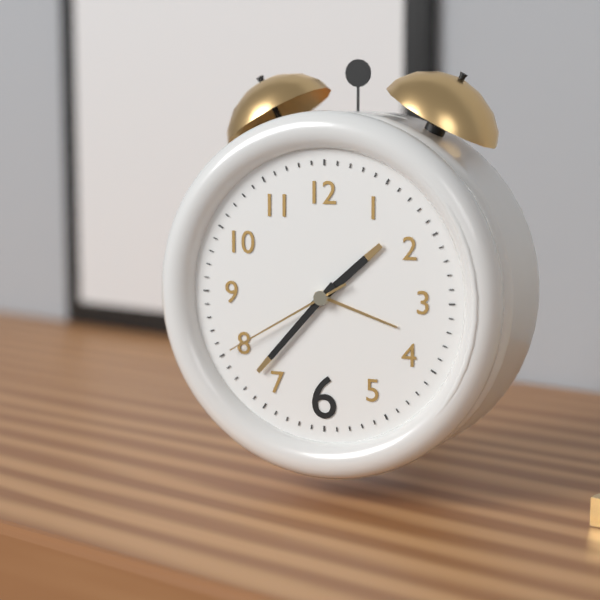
1,37,40
